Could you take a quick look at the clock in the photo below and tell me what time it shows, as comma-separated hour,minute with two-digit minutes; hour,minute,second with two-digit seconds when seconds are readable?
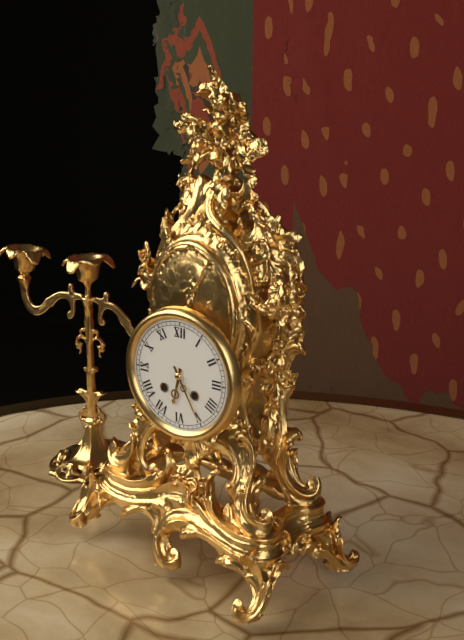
6,25
